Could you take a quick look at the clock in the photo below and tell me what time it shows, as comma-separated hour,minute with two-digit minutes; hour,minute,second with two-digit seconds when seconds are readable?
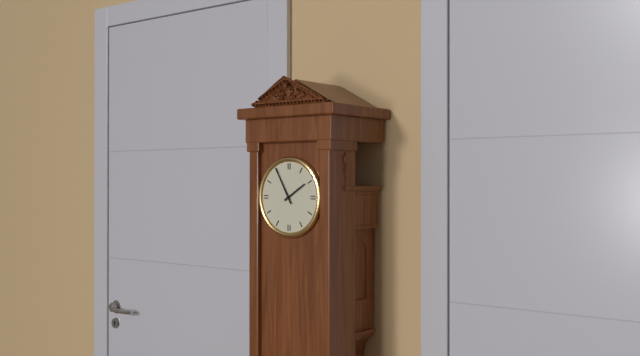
1,55
